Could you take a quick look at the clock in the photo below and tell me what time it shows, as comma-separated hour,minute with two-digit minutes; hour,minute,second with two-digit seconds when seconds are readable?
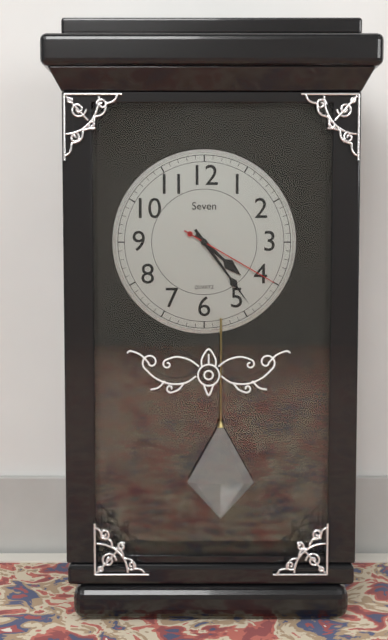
4,24,20
